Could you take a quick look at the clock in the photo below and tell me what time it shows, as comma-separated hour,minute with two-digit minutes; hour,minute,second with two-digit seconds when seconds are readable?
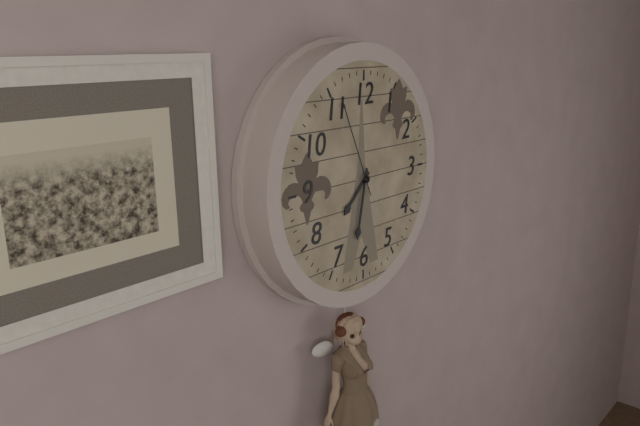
7,32,56
